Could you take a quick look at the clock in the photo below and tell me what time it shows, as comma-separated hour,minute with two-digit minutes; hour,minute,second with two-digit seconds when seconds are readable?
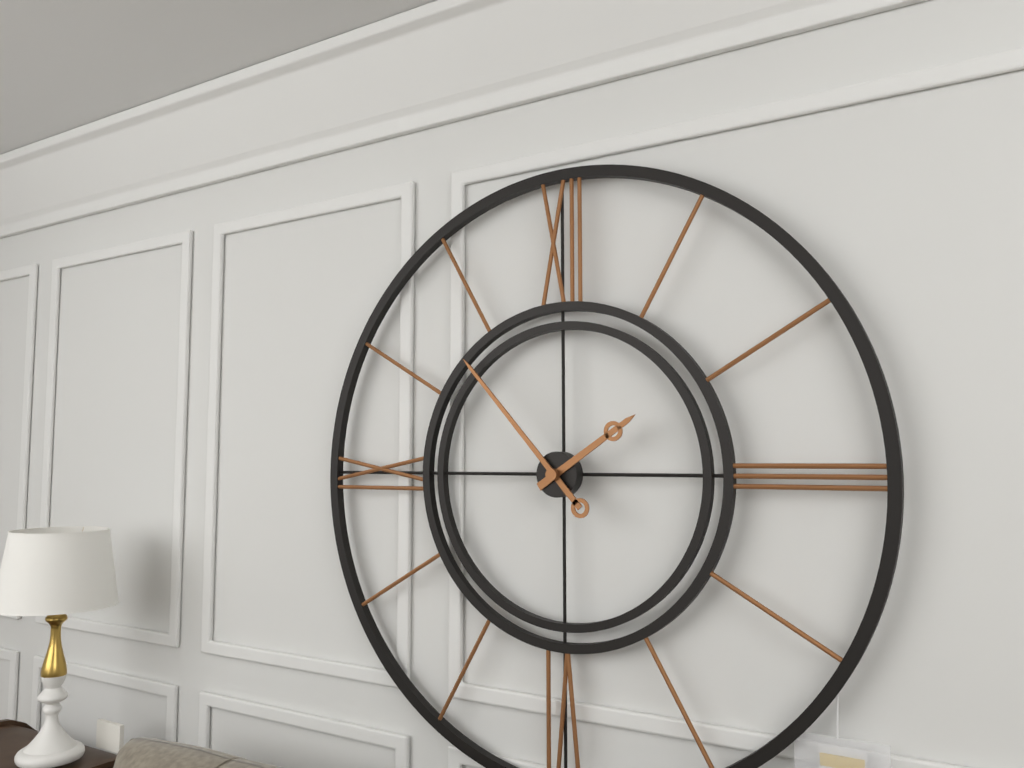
1,53
